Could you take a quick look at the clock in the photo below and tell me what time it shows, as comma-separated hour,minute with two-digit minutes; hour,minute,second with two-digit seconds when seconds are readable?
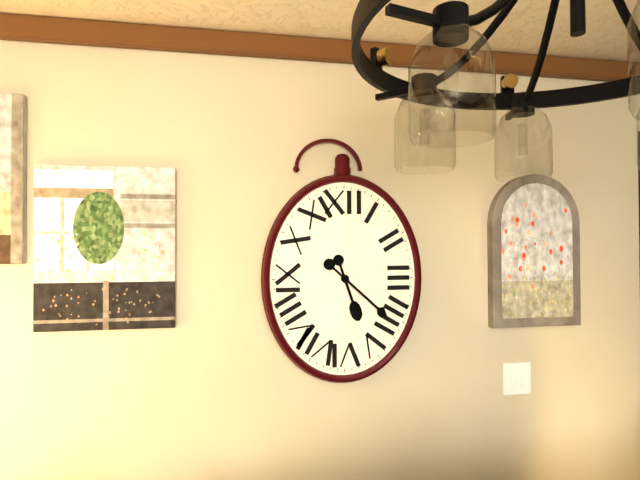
5,22
